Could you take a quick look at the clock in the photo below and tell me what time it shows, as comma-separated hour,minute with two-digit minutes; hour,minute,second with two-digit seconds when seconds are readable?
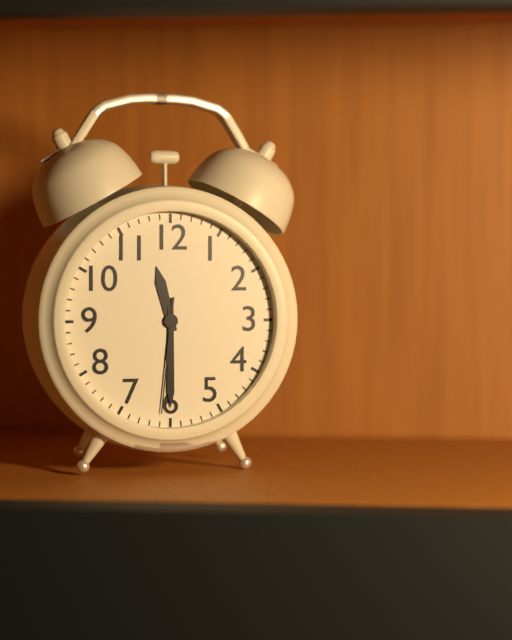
11,30,31
